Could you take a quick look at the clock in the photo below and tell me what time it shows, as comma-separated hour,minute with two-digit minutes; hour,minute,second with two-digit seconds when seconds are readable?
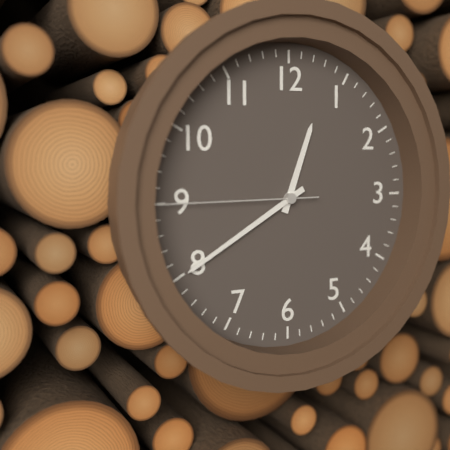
12,40,45
